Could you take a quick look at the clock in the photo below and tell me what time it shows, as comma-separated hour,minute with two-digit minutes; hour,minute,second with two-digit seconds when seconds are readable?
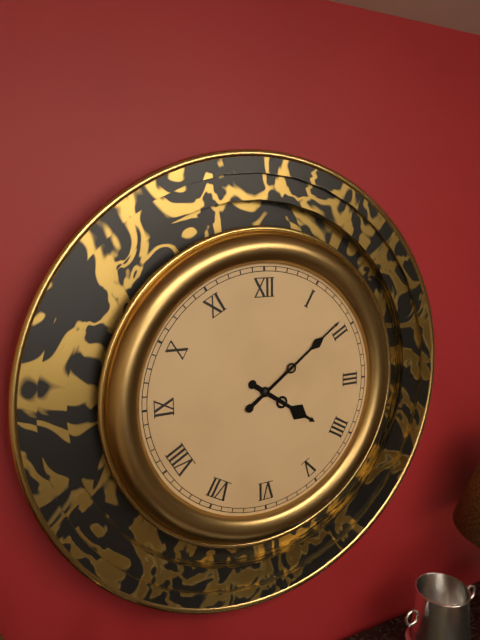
4,09
